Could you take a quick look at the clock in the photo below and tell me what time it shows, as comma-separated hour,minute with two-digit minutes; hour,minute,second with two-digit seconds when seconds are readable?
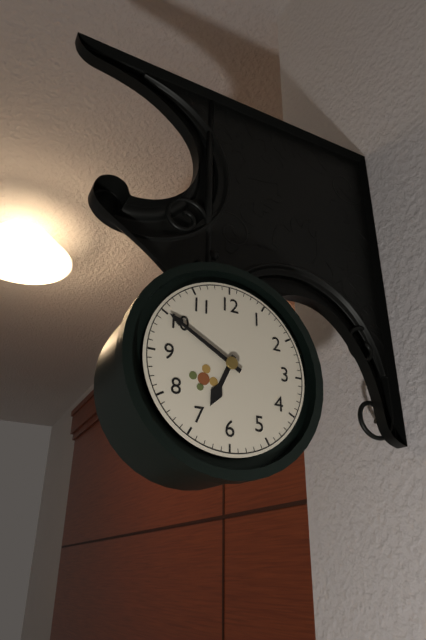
6,50
